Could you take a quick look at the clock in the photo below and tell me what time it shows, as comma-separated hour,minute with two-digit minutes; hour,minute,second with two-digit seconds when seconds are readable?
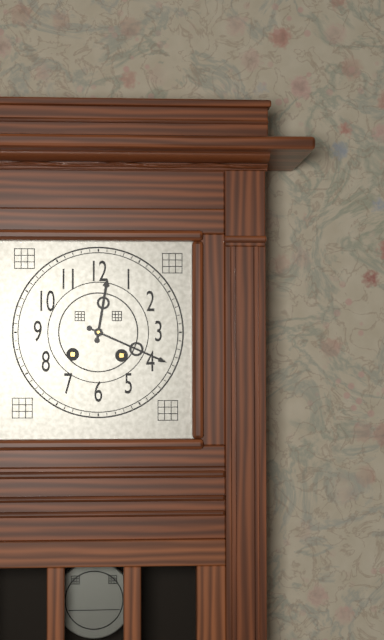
12,19
